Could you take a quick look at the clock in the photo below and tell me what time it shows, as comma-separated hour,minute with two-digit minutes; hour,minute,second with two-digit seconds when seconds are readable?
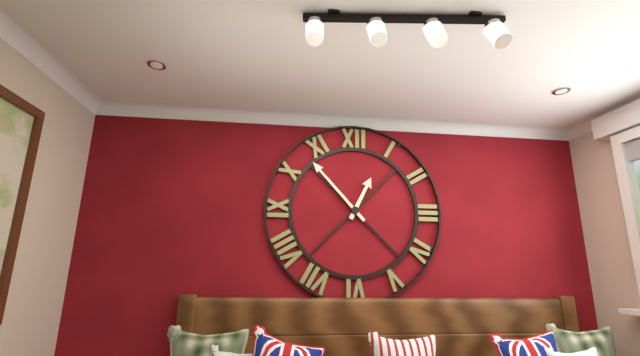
12,53
